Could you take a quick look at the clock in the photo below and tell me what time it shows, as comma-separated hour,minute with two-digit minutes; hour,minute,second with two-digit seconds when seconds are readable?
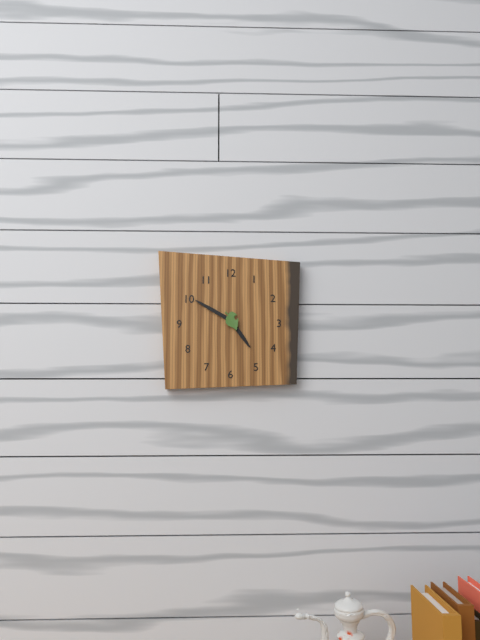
4,50
